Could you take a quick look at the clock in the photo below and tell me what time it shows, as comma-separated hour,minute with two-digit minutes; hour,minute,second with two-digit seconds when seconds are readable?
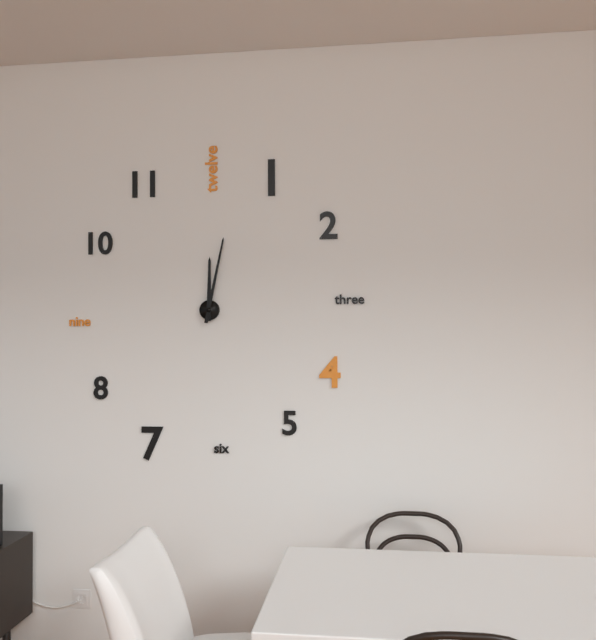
12,02
